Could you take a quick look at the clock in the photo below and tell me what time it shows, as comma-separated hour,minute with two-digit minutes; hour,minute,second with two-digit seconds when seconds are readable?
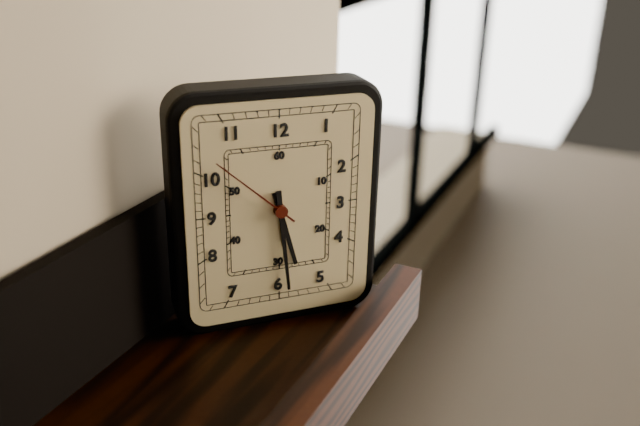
5,29,52
